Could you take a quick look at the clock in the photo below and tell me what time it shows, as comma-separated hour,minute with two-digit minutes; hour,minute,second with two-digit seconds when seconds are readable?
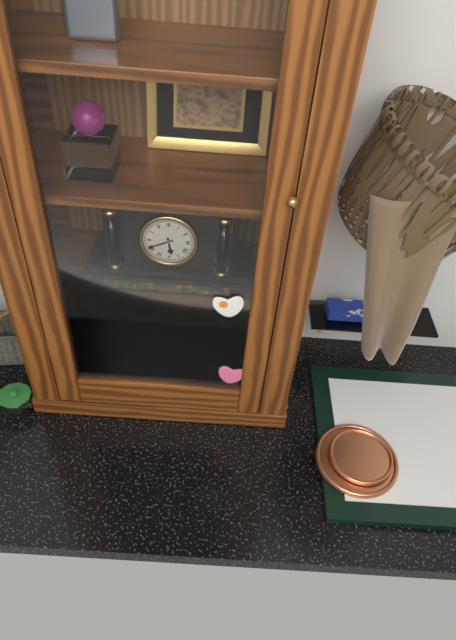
5,41
